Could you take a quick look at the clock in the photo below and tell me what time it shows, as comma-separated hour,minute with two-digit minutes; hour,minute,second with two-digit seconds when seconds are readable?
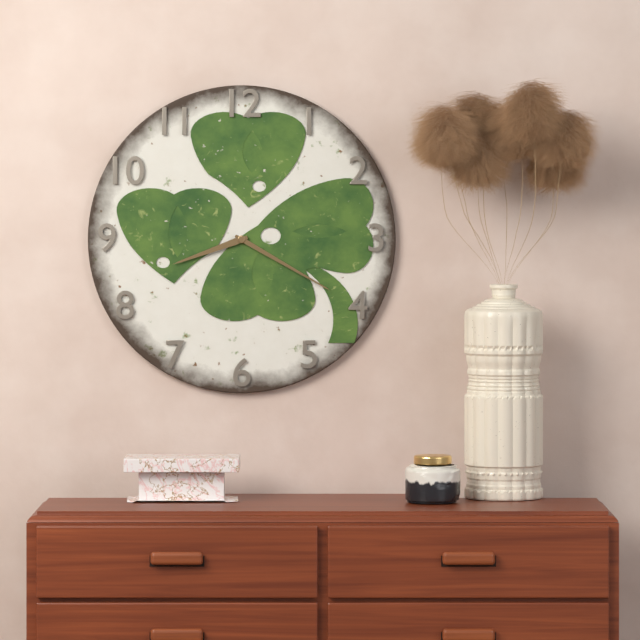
8,20
